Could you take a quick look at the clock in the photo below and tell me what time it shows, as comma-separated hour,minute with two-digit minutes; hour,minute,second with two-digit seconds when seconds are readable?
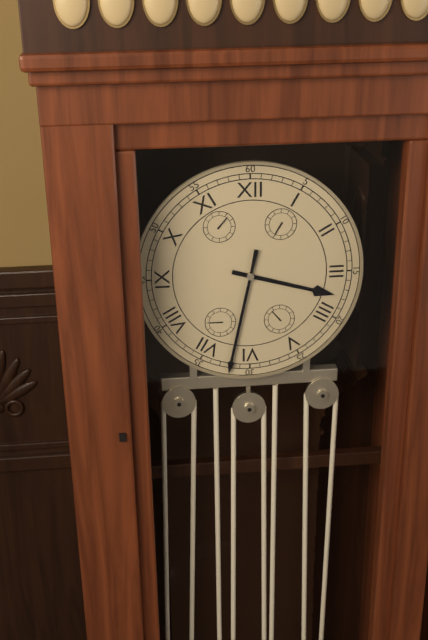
3,32
